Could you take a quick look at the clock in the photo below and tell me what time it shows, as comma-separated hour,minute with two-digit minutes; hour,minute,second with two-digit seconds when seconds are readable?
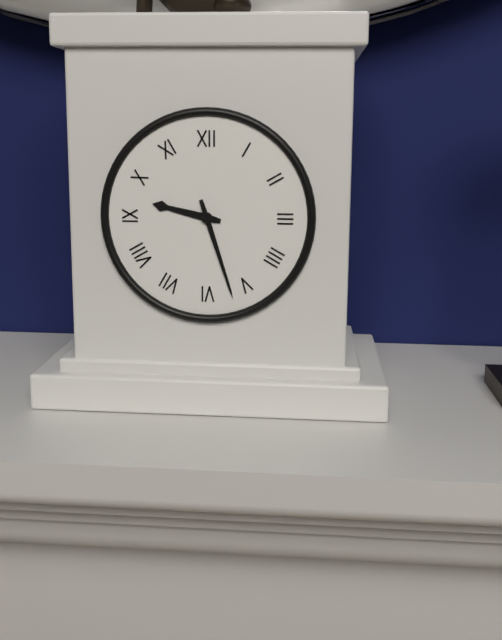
9,27
